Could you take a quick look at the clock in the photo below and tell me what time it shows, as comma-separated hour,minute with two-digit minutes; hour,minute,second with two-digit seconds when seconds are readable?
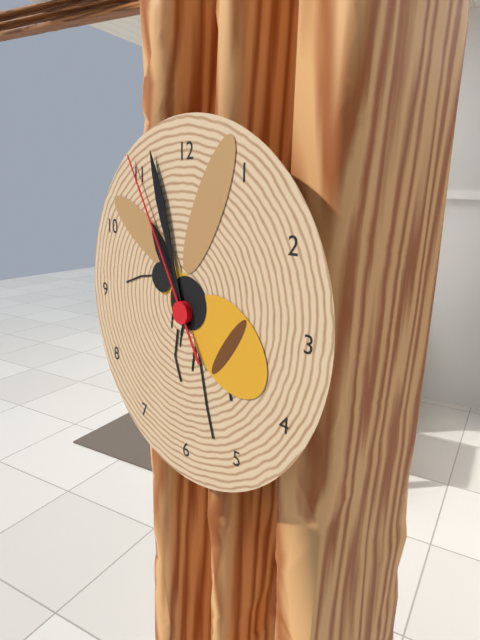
10,57,55
